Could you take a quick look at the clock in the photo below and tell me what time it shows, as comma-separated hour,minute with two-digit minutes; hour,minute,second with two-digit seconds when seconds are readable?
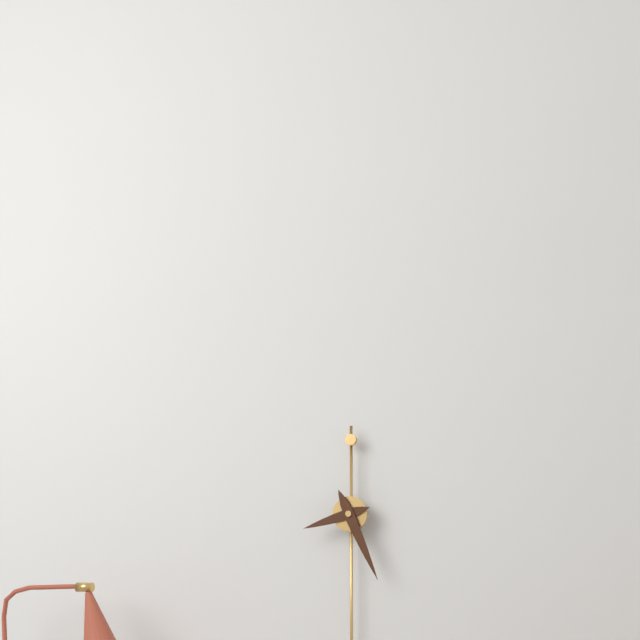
8,26
